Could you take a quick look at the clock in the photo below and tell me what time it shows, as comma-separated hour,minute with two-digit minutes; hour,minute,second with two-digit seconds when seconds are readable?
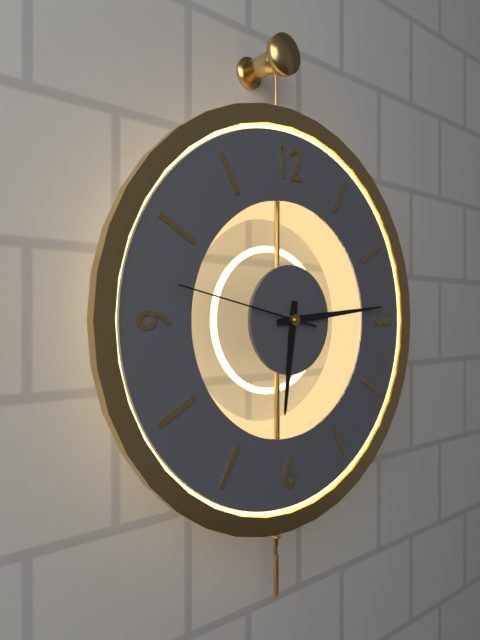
6,14,47
